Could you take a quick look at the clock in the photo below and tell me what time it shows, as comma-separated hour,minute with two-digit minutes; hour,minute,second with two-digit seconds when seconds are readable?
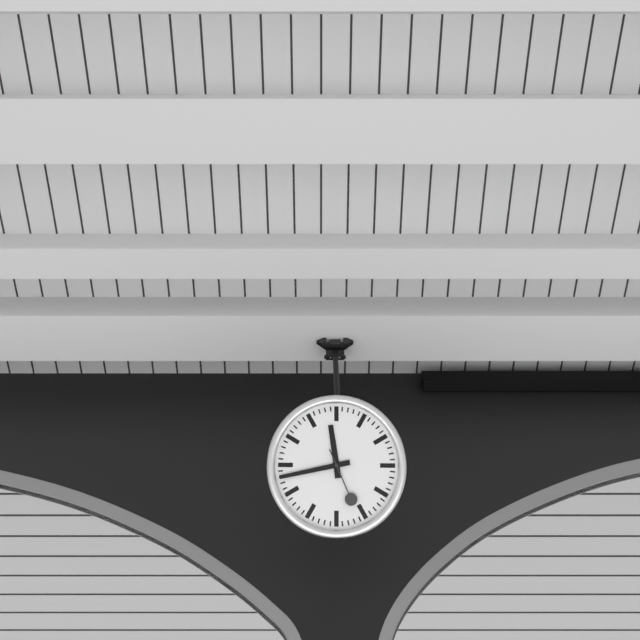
11,43,26
